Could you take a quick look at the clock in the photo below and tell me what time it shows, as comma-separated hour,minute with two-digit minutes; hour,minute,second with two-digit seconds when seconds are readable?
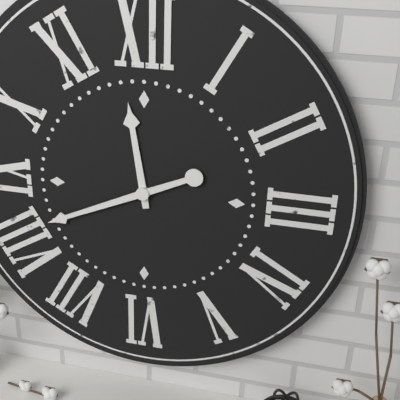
11,41
